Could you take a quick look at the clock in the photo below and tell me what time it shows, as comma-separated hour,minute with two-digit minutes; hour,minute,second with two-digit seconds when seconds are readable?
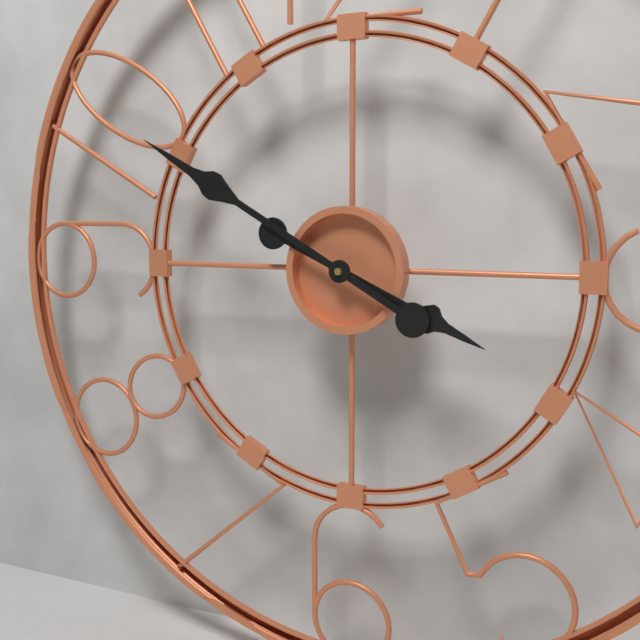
3,50
